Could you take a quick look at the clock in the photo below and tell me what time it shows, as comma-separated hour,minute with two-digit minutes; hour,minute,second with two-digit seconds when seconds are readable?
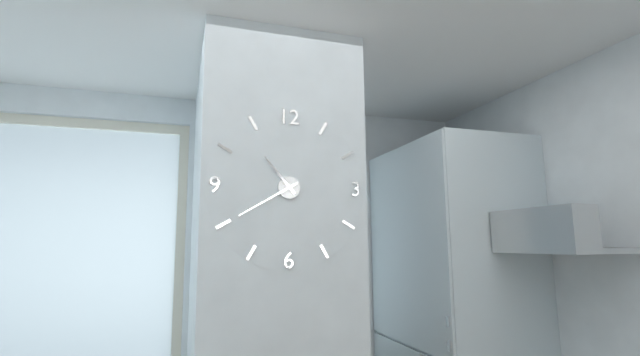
10,40
